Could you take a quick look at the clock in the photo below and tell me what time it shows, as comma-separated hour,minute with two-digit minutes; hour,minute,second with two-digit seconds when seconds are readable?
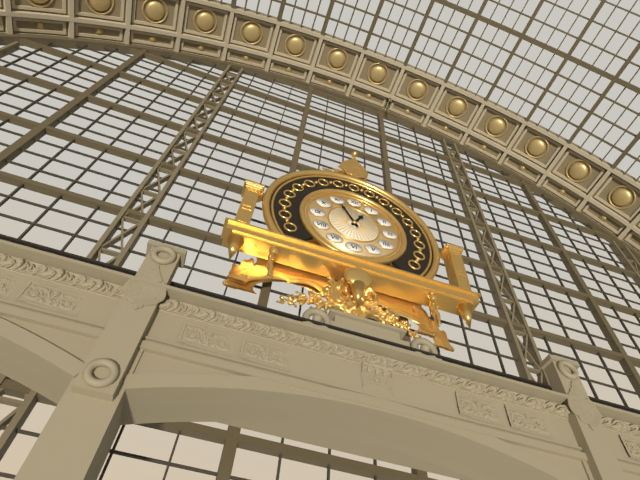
12,55
